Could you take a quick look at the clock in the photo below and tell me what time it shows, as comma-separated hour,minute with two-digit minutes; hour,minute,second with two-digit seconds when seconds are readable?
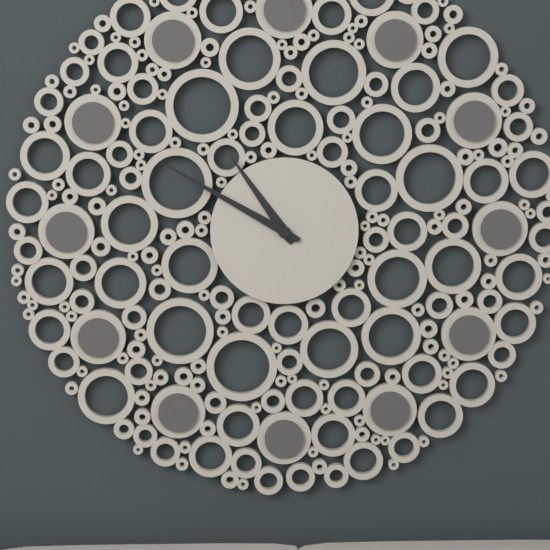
10,50
